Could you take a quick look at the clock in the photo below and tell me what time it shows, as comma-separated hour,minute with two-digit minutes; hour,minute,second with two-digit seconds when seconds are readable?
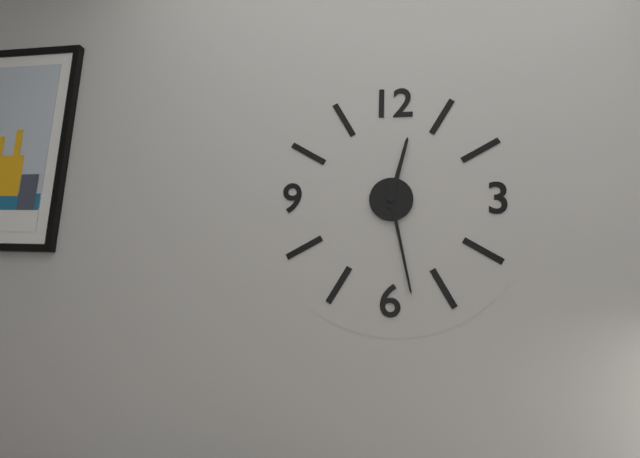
12,28
